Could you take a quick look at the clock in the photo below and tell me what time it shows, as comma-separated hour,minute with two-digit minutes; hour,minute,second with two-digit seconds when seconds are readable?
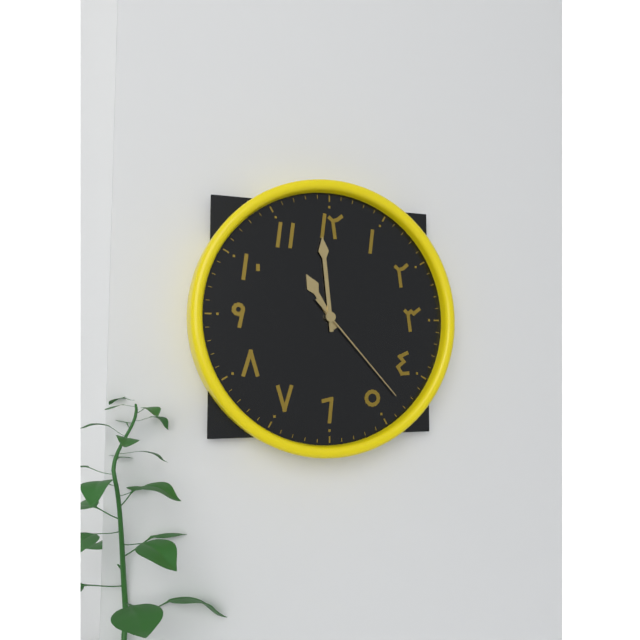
10,59,23
